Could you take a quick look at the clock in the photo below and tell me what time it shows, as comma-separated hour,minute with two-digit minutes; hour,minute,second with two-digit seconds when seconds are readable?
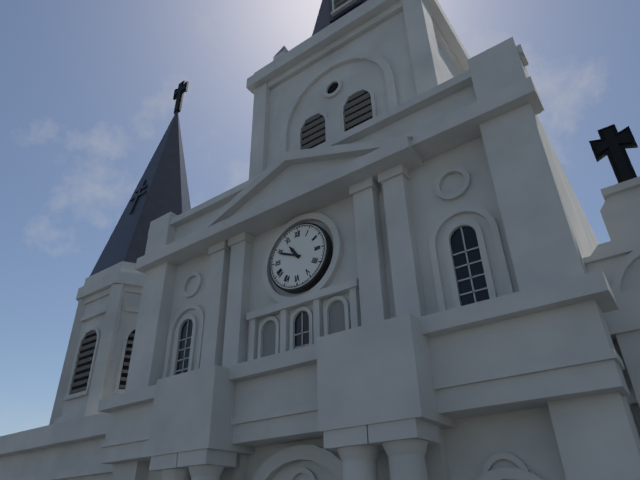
10,49
